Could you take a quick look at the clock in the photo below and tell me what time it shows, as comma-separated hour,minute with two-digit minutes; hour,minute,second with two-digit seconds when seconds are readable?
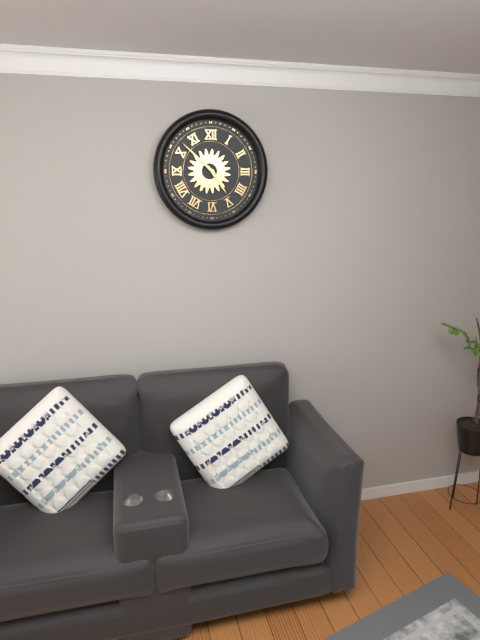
4,52
